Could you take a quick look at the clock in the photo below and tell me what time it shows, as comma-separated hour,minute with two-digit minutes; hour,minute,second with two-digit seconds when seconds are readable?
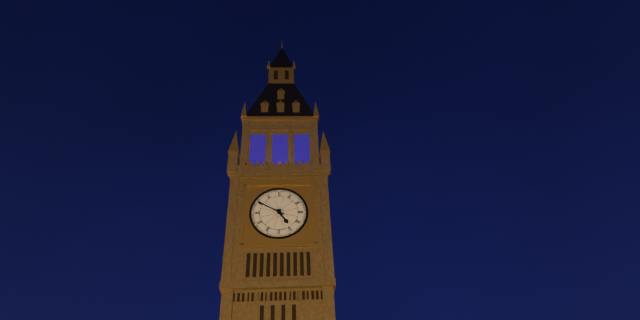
4,50
